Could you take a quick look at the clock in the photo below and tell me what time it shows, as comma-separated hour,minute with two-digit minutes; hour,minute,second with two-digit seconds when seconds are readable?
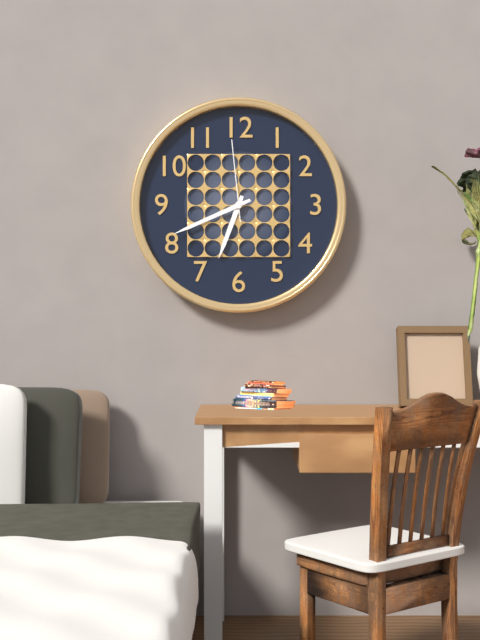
6,41,59
